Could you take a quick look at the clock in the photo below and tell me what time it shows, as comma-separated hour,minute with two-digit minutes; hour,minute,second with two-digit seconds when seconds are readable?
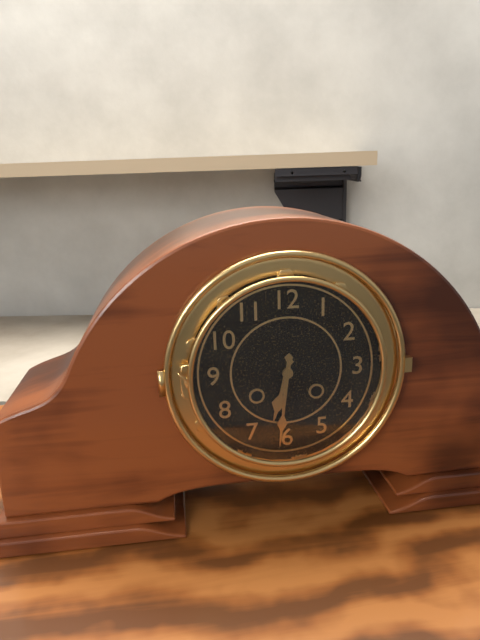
6,31
